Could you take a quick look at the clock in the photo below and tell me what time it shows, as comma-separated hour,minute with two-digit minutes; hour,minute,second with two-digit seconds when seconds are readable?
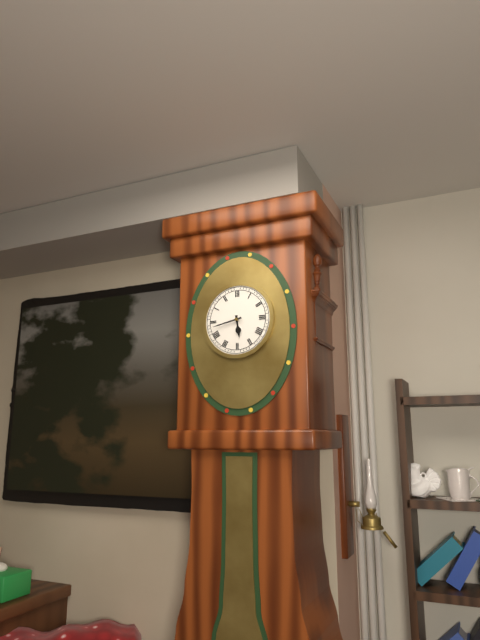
5,43
